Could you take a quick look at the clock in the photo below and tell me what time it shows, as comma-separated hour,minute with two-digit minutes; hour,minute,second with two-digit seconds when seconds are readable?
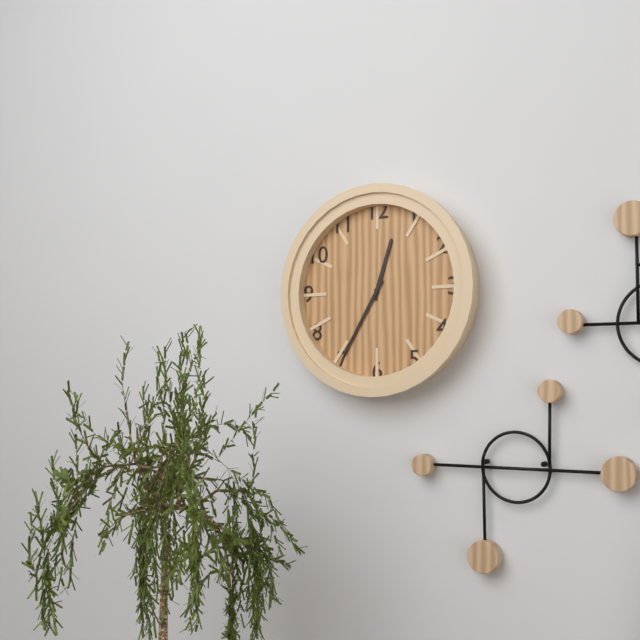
12,35
